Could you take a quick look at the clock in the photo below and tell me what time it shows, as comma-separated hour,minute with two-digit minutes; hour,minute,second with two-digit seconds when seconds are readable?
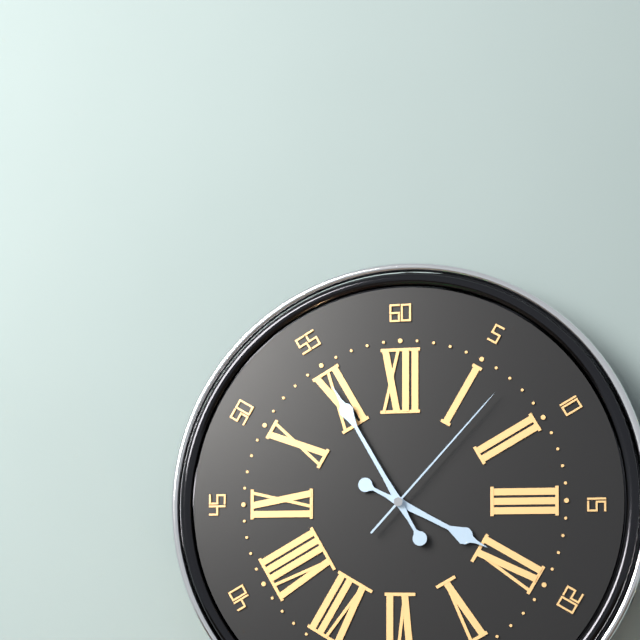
3,55,07
